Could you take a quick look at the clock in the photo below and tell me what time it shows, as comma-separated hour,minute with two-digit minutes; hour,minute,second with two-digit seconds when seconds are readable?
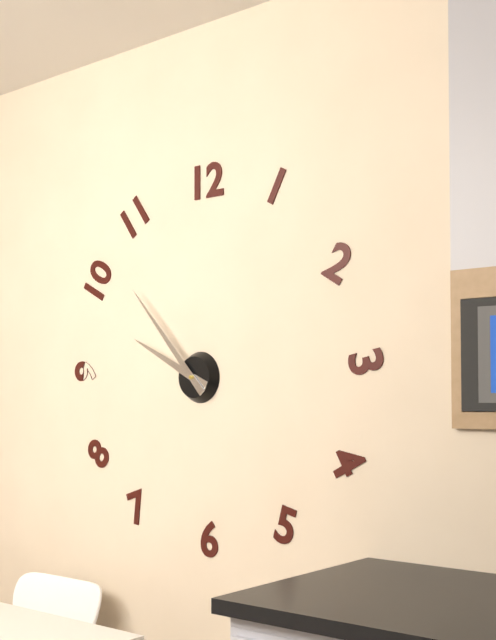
9,53
